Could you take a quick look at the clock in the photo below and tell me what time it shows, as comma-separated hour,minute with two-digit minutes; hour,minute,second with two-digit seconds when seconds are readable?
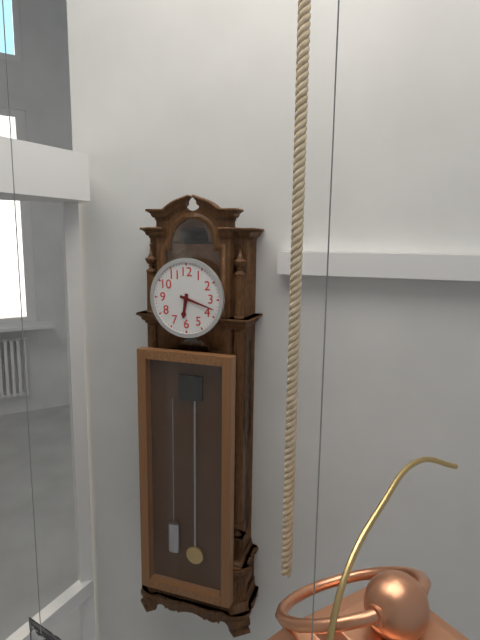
6,18
